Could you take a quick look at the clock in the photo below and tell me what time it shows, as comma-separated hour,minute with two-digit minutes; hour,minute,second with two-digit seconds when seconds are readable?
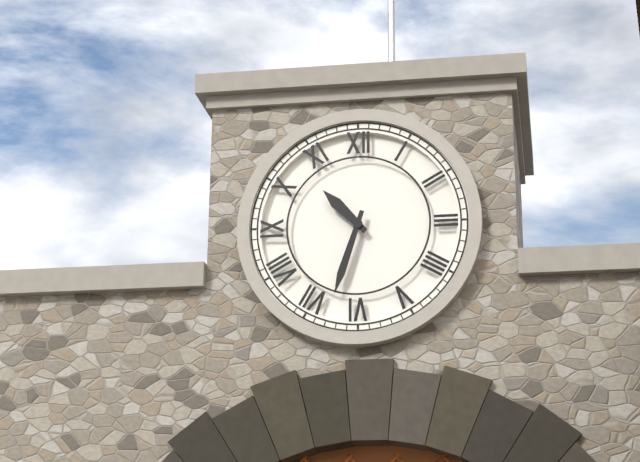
10,33
